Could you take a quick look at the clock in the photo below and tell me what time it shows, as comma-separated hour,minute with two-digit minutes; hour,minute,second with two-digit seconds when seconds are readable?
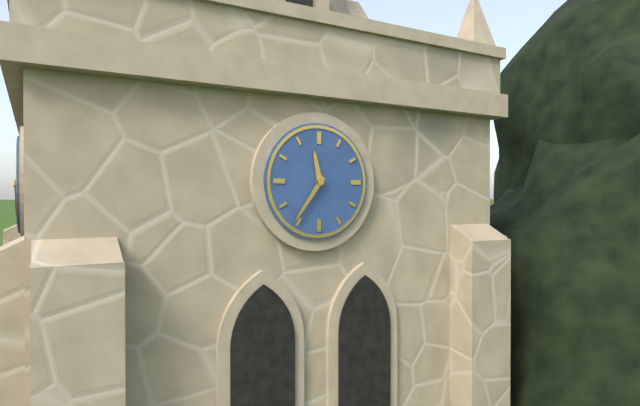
11,36
